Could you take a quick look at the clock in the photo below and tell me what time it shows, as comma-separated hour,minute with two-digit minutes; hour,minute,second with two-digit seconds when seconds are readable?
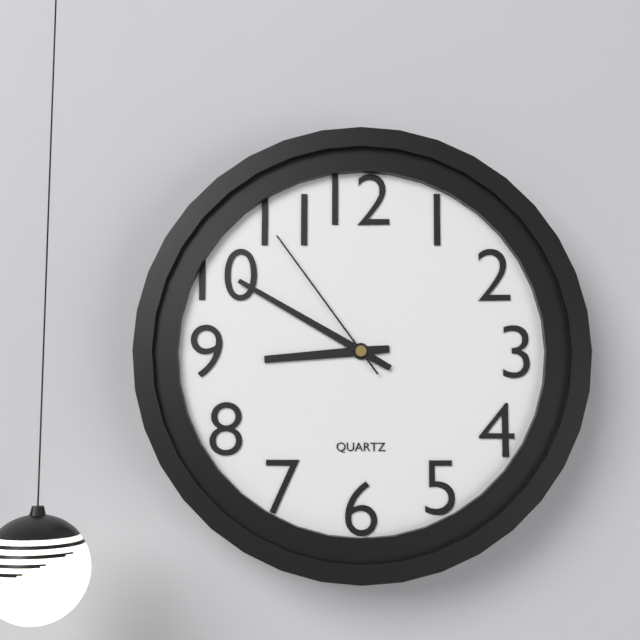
8,50,54
